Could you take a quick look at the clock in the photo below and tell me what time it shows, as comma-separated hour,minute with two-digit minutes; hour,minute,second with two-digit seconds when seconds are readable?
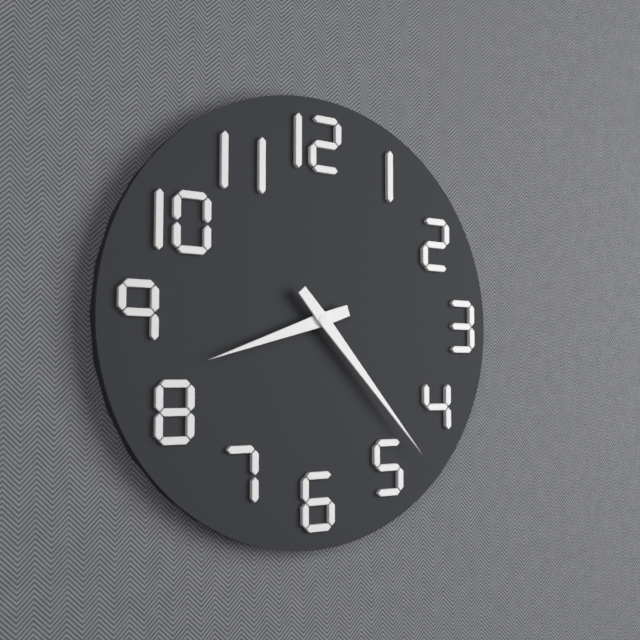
8,23
